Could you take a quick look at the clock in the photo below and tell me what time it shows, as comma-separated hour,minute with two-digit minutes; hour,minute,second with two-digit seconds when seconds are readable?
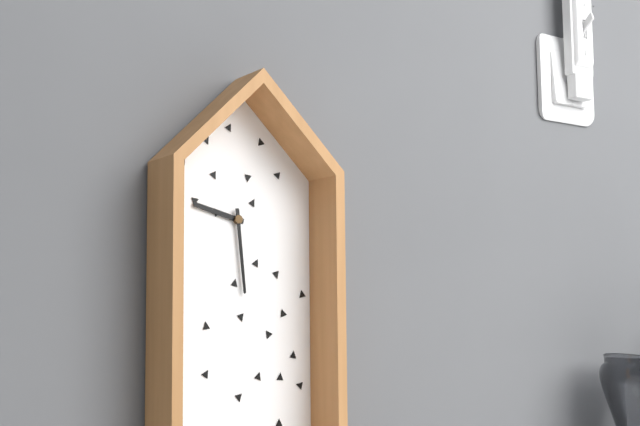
9,29
